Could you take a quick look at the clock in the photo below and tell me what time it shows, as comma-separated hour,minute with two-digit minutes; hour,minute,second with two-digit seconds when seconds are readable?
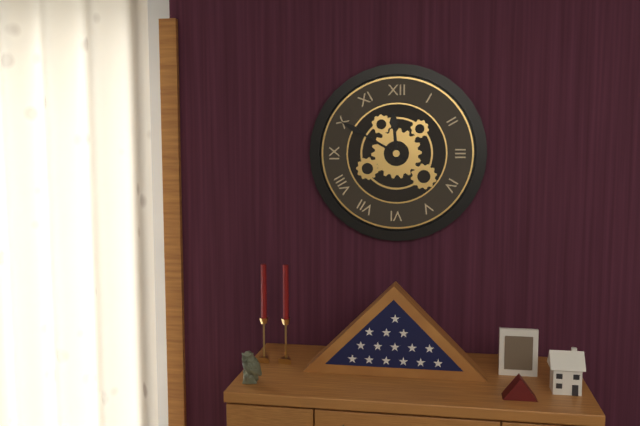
11,50
